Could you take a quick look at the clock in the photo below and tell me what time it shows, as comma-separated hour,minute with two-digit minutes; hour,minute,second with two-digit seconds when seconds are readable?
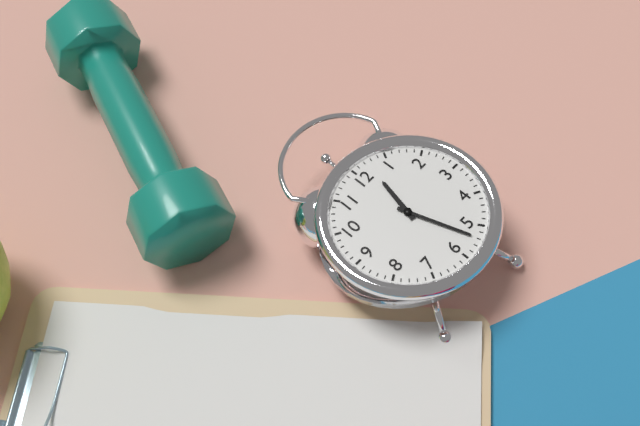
12,27
